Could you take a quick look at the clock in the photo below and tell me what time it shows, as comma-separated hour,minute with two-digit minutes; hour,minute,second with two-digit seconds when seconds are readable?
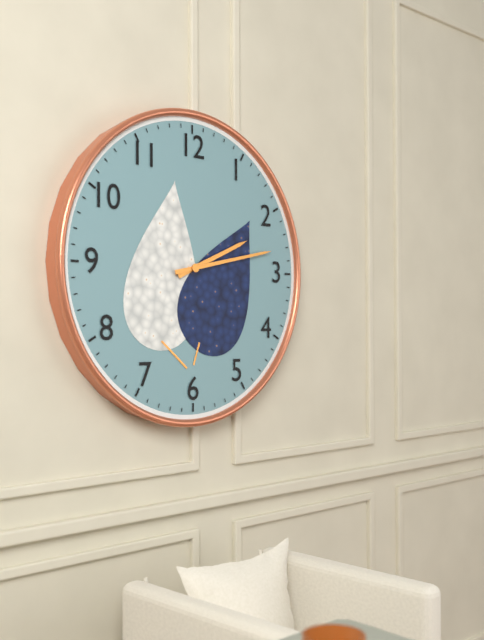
2,13
